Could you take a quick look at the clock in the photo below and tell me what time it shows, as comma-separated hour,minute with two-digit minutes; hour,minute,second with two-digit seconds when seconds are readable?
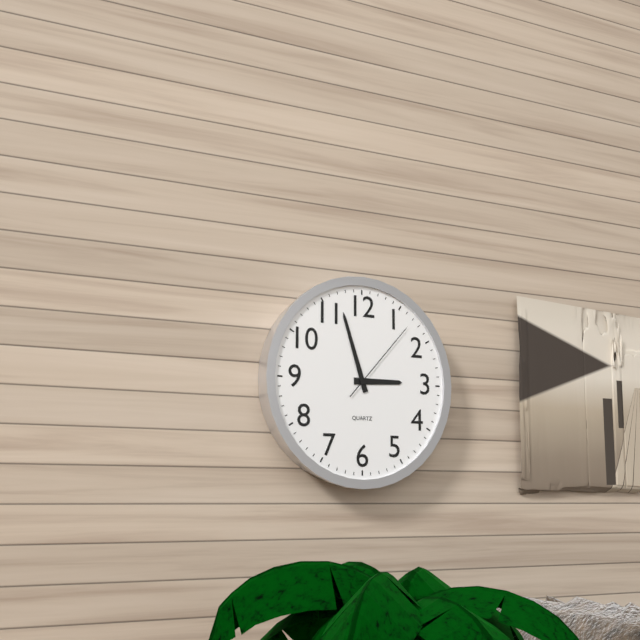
2,57,07
